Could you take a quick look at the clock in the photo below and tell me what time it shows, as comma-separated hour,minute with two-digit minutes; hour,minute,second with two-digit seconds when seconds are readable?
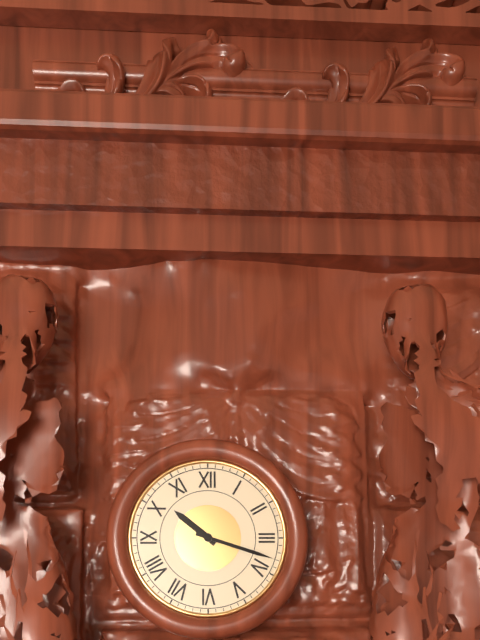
10,18
